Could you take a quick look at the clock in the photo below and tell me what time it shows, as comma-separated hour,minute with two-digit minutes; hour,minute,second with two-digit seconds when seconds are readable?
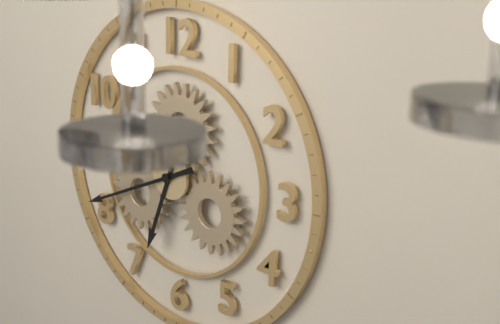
6,41
